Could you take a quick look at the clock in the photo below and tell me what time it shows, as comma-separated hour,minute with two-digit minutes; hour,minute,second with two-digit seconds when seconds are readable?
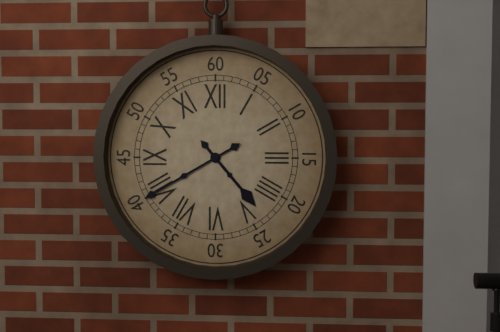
4,40
